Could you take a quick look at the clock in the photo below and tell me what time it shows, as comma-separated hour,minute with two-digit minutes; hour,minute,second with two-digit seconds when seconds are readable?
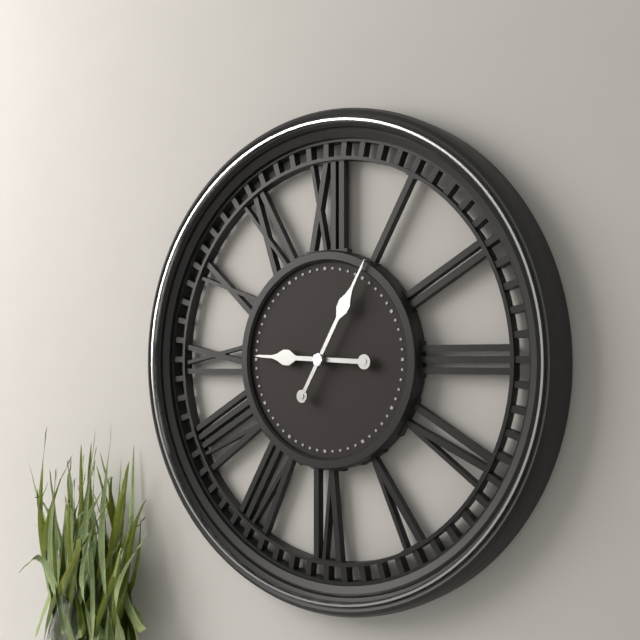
9,05
